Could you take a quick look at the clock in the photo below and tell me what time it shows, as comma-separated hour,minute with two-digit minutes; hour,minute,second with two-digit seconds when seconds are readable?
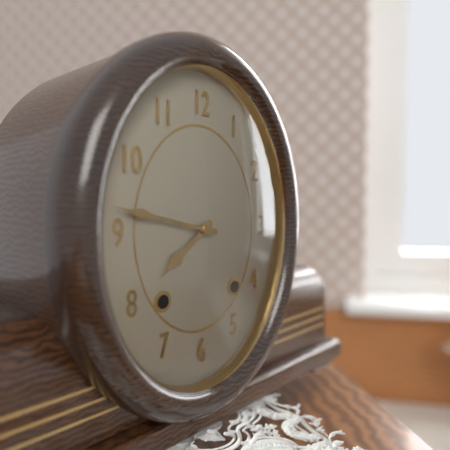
7,47
